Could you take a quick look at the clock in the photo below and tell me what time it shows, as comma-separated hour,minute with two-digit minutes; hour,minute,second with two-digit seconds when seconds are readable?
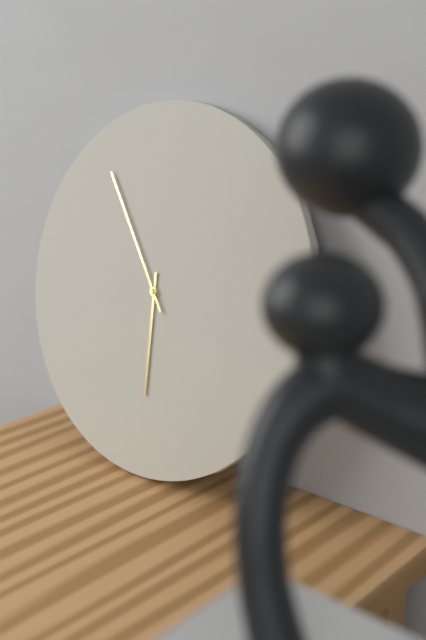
5,54
